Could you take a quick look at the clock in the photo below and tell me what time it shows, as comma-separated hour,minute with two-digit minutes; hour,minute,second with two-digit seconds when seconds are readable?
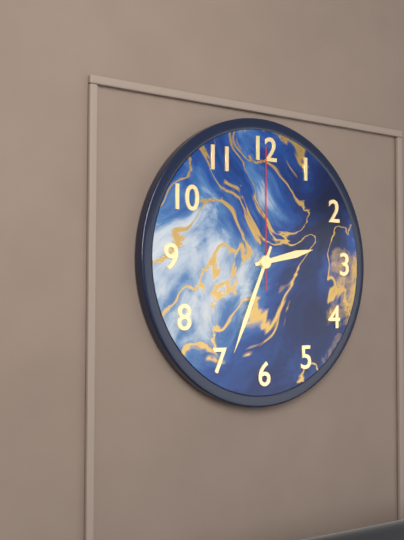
2,34,00
